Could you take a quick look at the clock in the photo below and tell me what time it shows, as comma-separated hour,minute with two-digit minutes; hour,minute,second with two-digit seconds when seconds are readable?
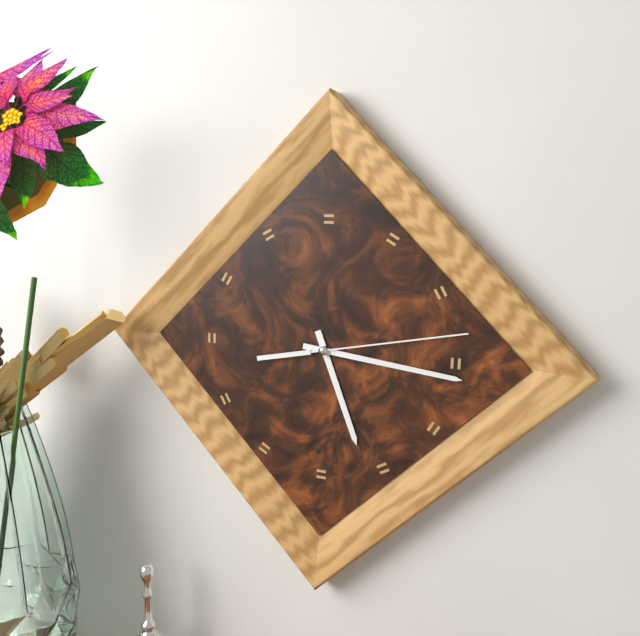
5,16,13
